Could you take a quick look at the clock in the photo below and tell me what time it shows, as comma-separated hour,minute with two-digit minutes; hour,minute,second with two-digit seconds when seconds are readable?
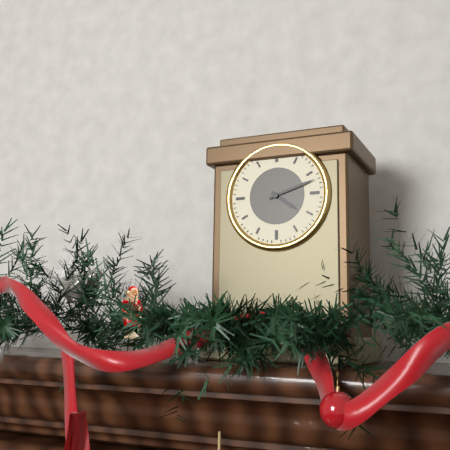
4,12
